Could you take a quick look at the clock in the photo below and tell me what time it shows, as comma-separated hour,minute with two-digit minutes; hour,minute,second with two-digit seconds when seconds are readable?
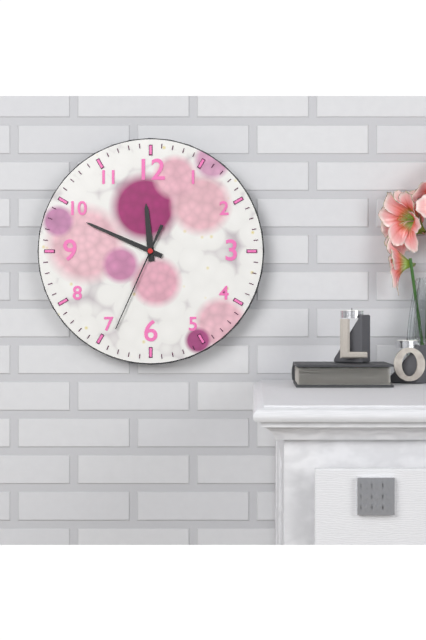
11,49,34
